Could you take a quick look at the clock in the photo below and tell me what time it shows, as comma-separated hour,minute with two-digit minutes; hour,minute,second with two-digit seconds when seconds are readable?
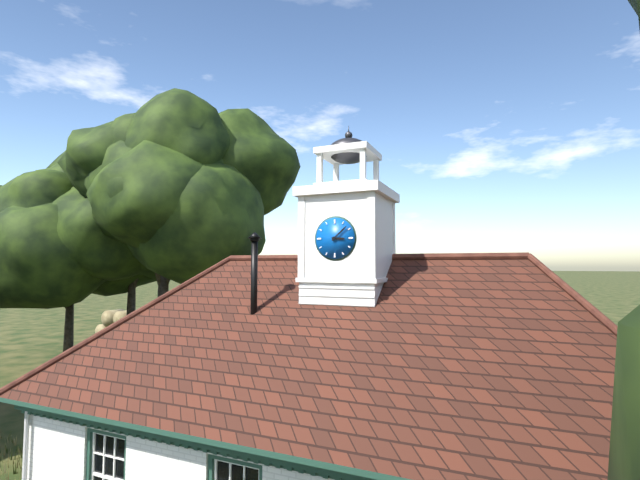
3,08
